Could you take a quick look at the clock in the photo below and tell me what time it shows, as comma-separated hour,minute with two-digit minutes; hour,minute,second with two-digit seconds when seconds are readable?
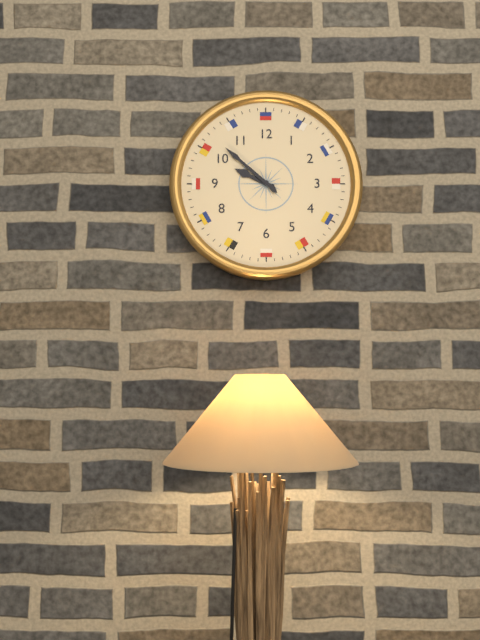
9,52
